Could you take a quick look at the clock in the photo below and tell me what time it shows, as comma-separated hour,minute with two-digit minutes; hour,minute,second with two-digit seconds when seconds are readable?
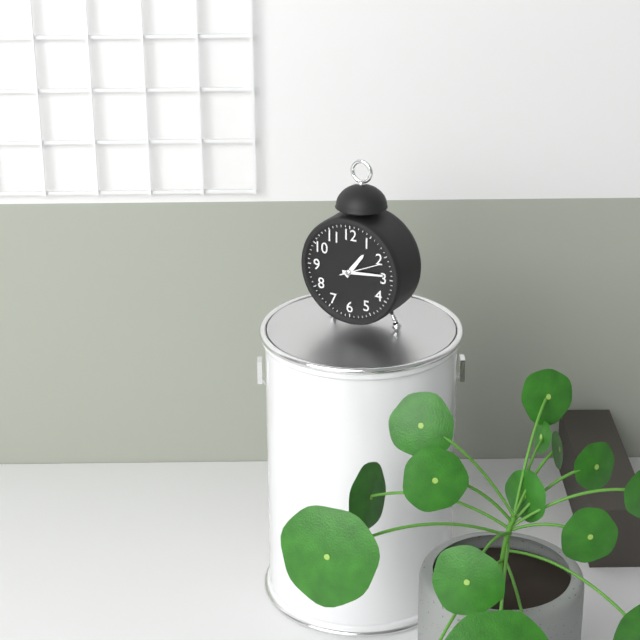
1,14
